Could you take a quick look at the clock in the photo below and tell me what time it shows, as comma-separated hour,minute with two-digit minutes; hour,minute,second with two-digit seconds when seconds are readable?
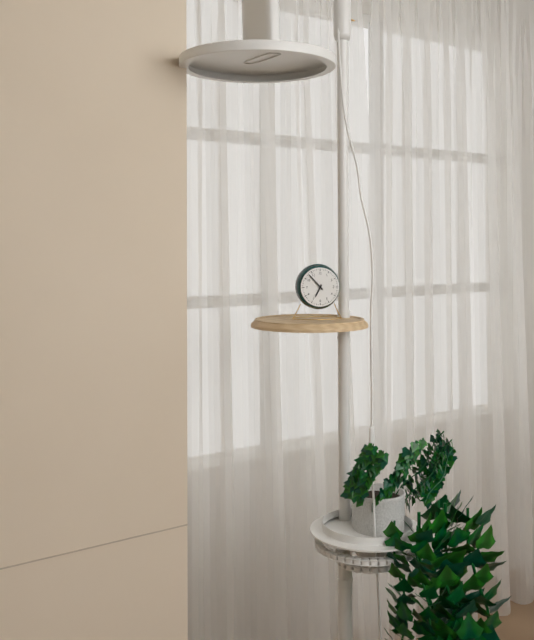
6,53
